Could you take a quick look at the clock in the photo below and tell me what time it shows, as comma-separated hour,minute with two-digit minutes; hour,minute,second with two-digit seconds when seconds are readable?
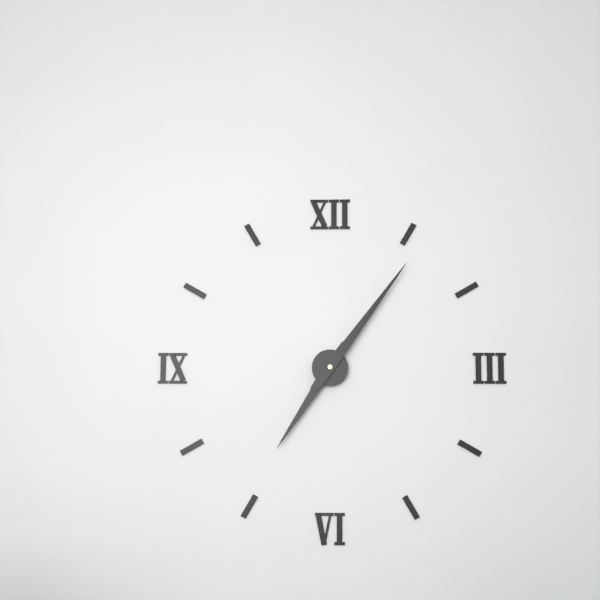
7,06
